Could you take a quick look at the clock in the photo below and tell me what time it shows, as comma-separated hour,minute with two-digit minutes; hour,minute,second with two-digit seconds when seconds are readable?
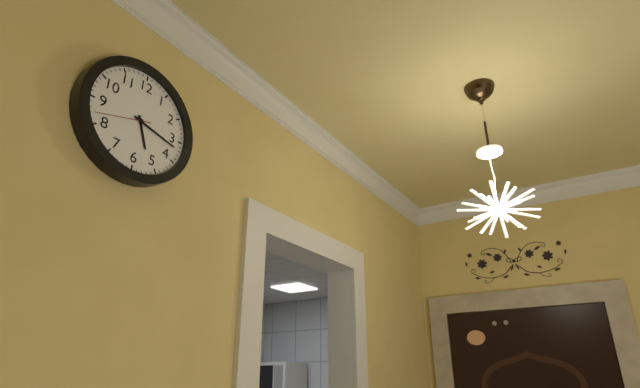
5,17,42
